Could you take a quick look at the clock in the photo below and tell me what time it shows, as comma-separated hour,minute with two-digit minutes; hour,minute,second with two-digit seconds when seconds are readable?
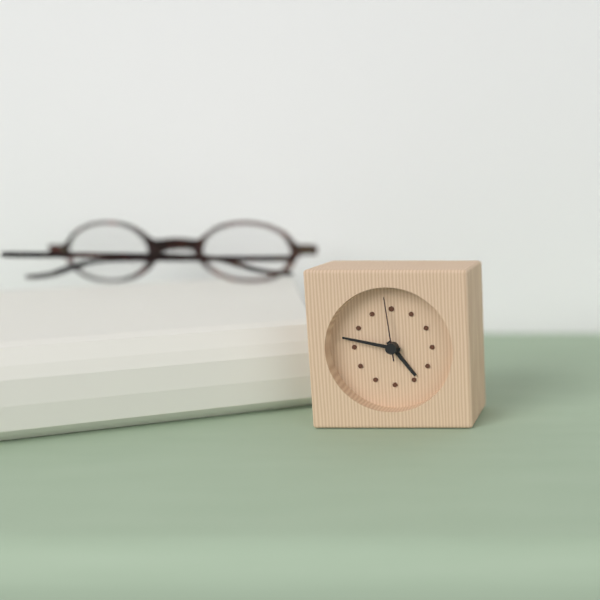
4,47,59
